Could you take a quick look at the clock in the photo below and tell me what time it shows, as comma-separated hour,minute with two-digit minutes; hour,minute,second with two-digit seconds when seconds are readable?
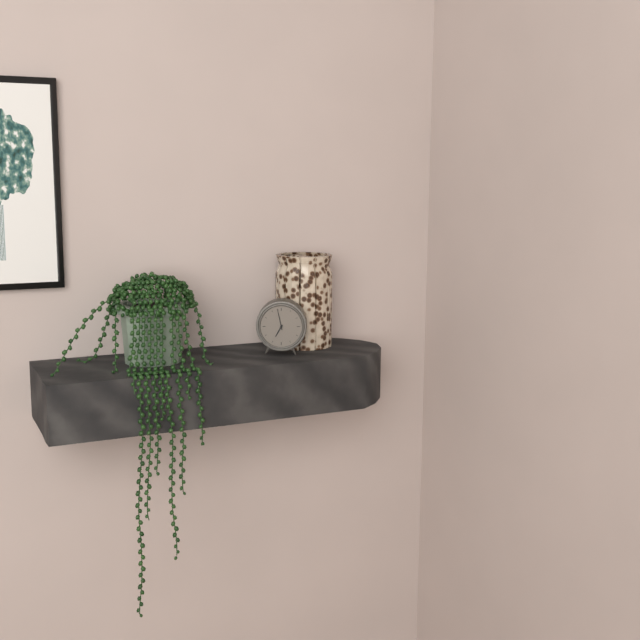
6,58
